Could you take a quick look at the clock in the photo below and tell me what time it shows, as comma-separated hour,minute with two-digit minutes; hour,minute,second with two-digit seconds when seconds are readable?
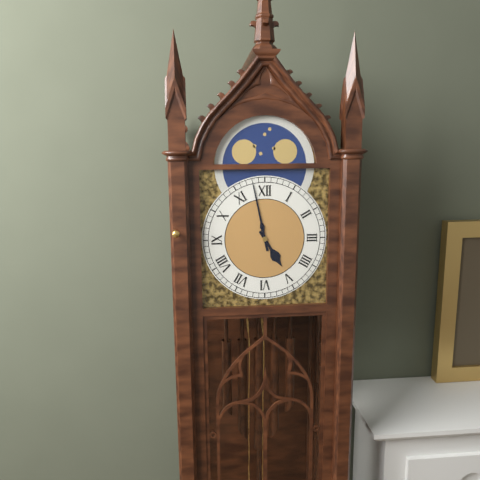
4,58
